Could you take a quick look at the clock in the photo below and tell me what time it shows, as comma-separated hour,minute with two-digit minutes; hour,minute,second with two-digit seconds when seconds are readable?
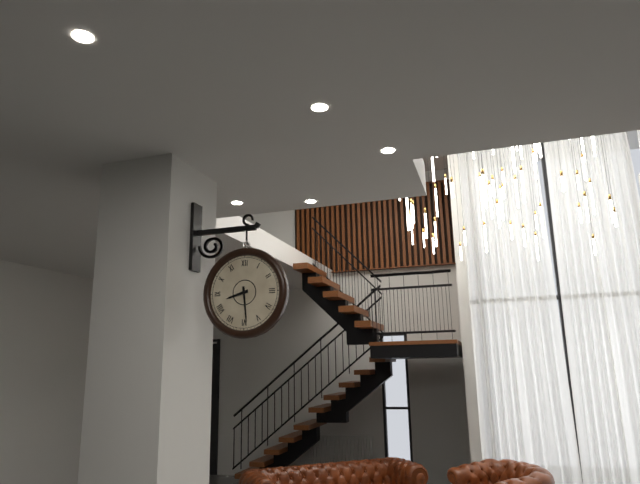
8,29
